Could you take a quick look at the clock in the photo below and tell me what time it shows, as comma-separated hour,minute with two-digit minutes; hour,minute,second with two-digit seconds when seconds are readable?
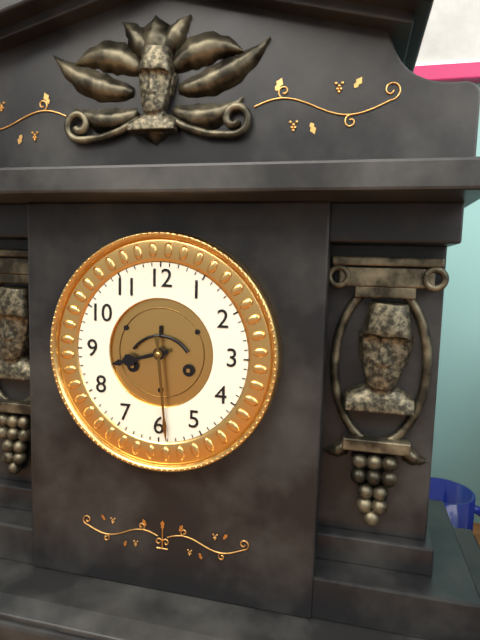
8,29
